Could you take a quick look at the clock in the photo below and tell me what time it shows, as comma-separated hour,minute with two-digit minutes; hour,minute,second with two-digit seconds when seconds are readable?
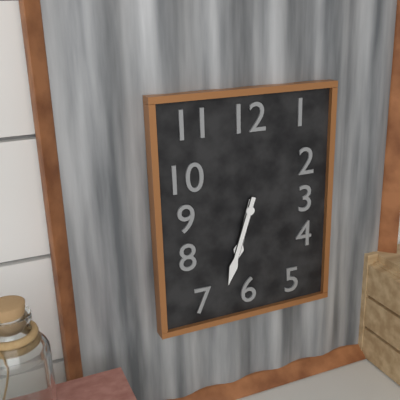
6,33
